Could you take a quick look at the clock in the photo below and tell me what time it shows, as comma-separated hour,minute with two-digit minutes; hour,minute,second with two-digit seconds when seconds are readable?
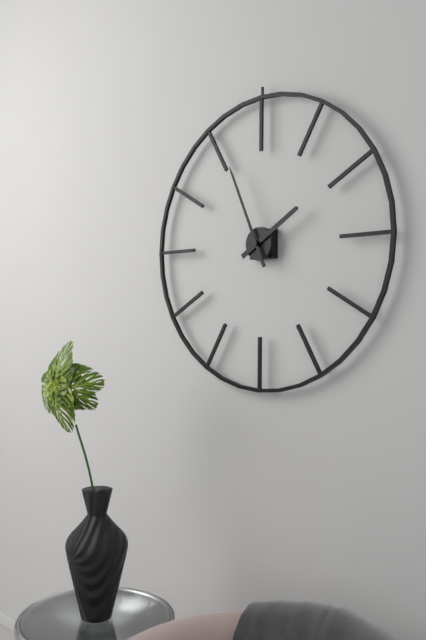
1,56
